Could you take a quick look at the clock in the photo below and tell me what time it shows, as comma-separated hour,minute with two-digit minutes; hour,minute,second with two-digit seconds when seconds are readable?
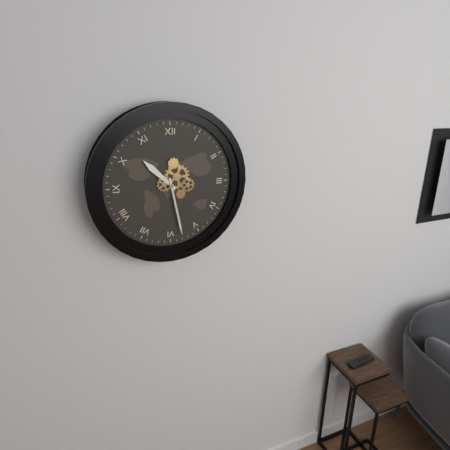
10,28
